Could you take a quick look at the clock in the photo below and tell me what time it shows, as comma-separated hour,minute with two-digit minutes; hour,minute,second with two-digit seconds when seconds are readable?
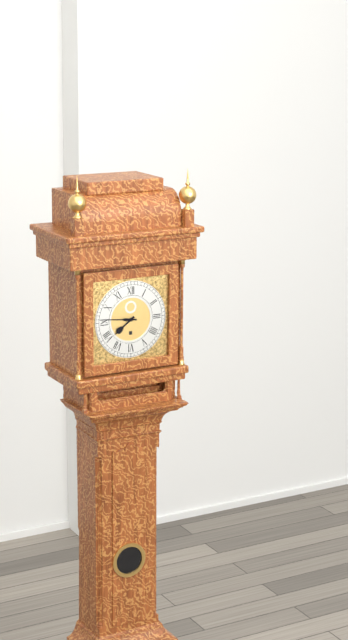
7,46
